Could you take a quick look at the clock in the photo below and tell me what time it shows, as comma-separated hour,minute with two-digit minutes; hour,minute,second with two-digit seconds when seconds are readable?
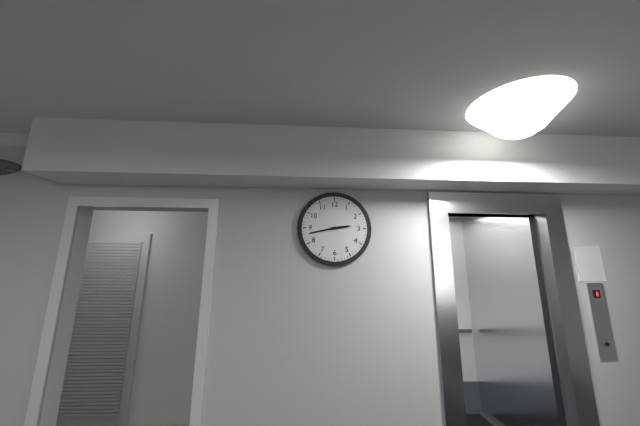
2,43
